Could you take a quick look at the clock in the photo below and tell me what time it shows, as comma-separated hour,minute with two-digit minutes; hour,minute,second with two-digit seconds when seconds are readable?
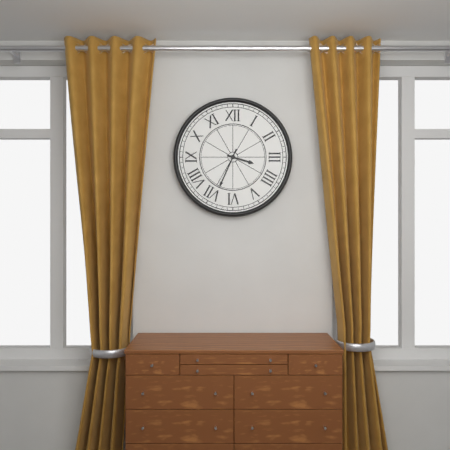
3,34
